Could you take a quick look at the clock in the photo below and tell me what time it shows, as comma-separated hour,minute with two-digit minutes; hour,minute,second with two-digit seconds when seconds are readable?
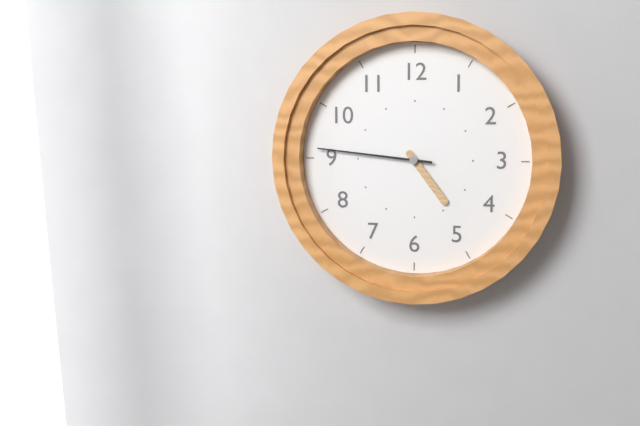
4,46
